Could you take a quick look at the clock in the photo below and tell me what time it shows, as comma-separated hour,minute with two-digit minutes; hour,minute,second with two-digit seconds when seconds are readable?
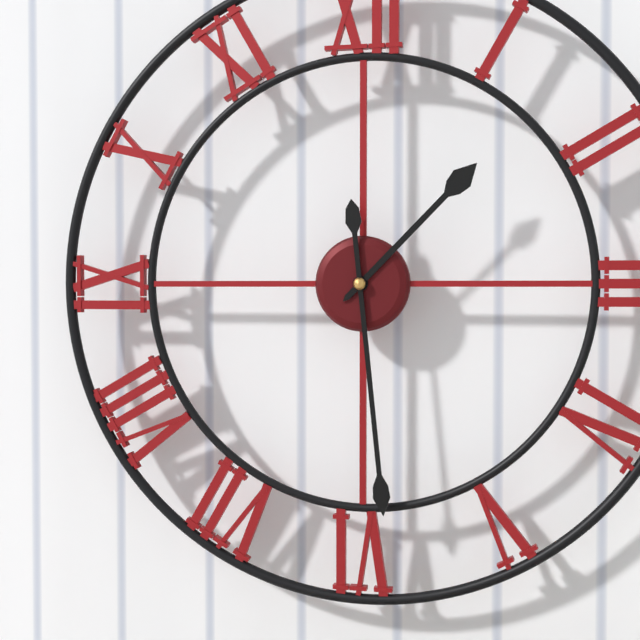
1,29
